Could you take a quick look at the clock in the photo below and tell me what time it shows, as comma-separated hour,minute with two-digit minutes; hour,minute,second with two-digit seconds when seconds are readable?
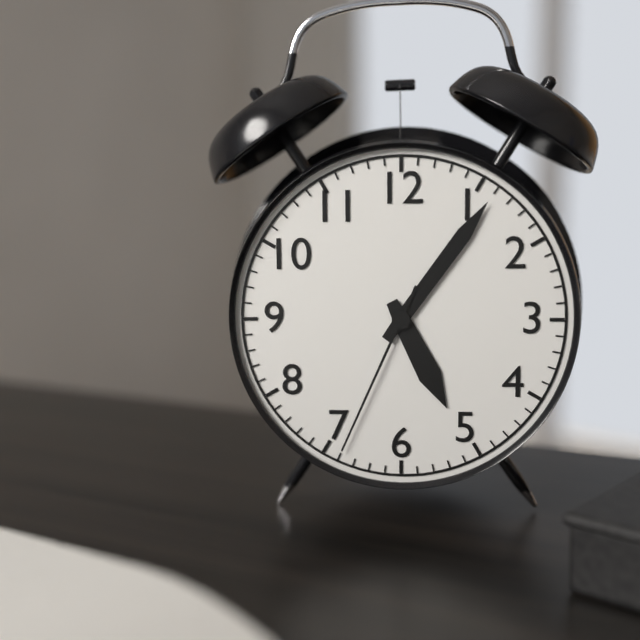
5,06,34
